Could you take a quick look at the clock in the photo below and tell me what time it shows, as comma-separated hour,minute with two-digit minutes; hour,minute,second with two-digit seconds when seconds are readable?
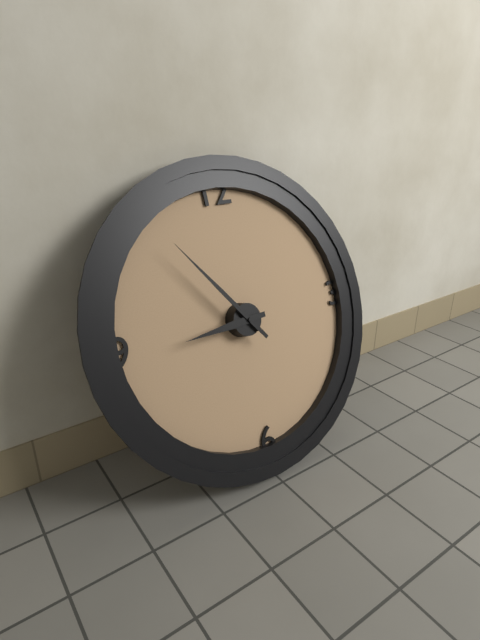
8,54
